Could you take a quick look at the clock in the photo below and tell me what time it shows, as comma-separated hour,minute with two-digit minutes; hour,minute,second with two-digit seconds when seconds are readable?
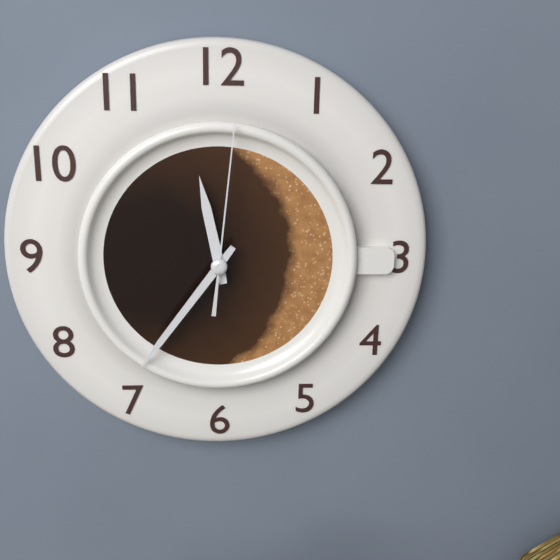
11,36,01
